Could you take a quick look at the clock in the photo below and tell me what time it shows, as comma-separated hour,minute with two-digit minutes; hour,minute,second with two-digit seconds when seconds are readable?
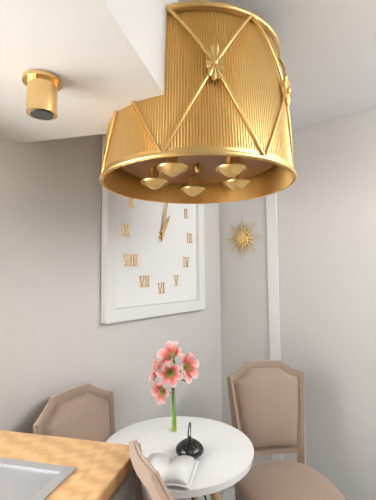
1,02
